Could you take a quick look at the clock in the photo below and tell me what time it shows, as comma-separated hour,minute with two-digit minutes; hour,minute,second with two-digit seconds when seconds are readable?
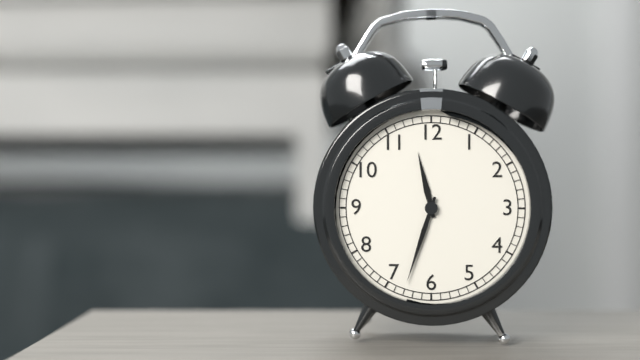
11,33
